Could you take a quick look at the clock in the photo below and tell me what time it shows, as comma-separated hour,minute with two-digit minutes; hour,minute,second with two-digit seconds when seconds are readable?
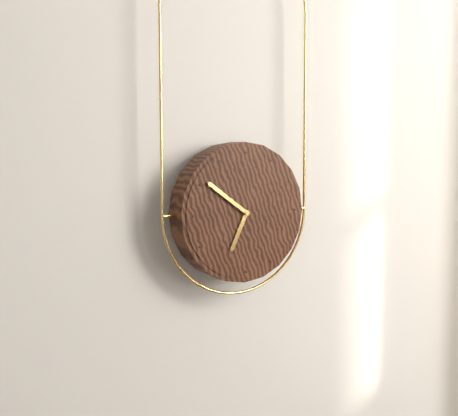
6,51
